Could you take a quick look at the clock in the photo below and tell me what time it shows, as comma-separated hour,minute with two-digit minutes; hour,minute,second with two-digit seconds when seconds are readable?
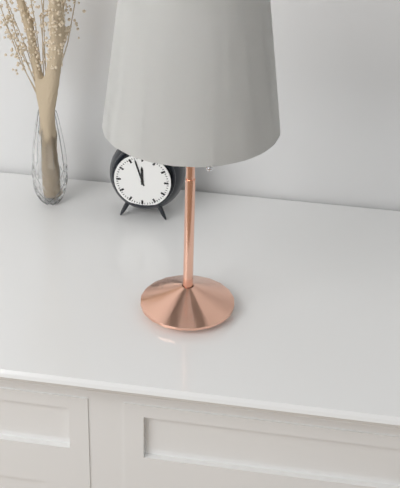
11,57
